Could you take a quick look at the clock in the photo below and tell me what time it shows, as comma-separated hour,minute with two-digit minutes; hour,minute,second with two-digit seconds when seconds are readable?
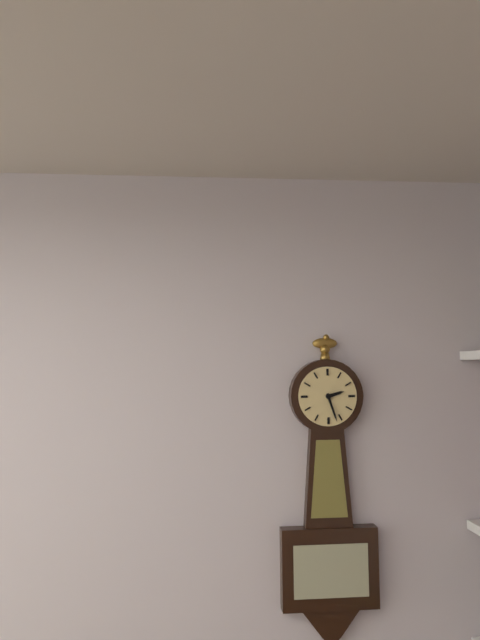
2,27
